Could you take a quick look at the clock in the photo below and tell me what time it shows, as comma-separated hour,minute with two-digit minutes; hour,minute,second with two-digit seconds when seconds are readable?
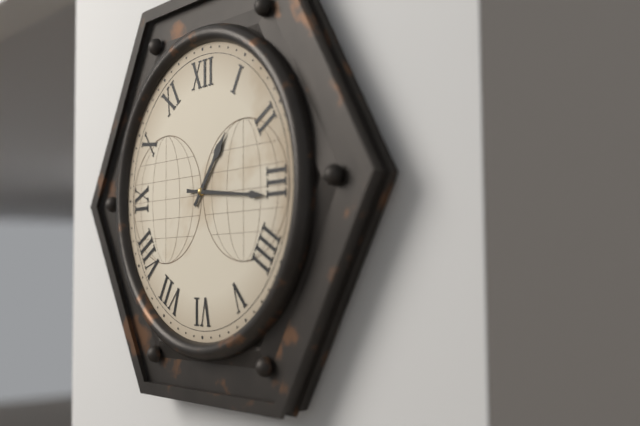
1,16
